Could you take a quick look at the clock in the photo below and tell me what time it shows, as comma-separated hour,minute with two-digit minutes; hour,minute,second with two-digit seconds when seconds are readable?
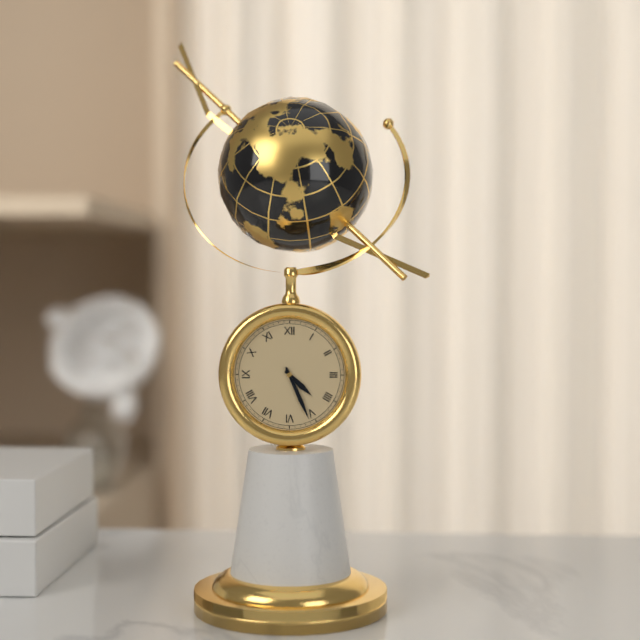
4,26
